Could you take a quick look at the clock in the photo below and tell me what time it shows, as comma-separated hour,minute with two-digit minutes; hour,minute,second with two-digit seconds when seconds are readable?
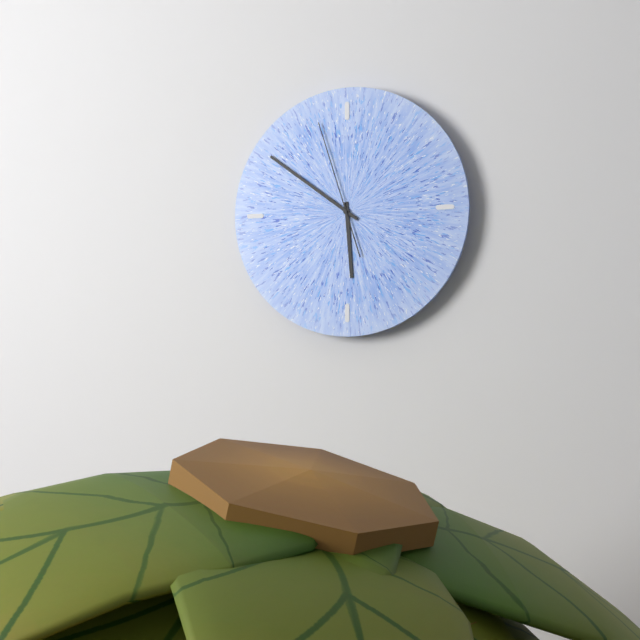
5,51,57
